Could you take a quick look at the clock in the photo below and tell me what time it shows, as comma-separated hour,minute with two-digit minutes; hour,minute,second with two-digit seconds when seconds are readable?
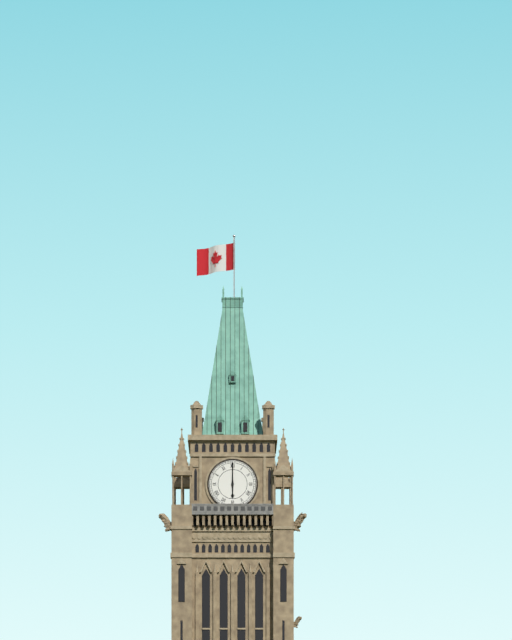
6,00
